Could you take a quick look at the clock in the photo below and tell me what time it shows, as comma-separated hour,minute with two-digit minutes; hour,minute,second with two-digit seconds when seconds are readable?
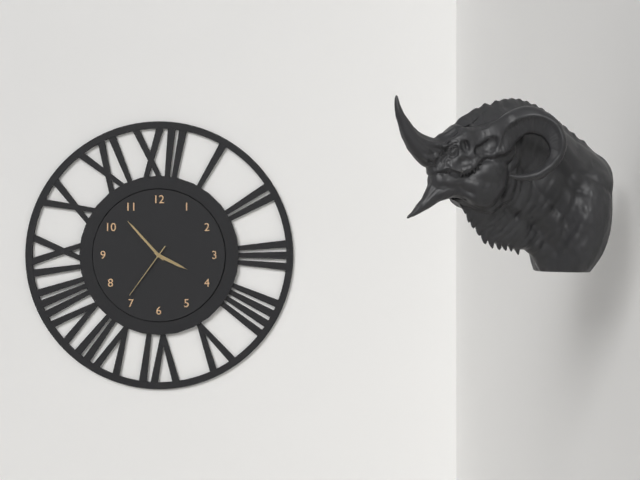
3,53,36
